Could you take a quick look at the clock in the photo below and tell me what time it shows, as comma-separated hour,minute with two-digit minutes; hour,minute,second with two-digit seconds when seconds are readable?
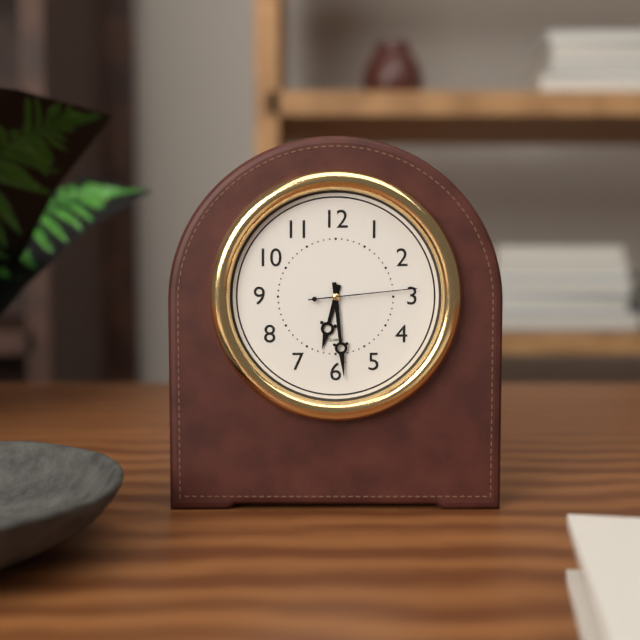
6,29,14
